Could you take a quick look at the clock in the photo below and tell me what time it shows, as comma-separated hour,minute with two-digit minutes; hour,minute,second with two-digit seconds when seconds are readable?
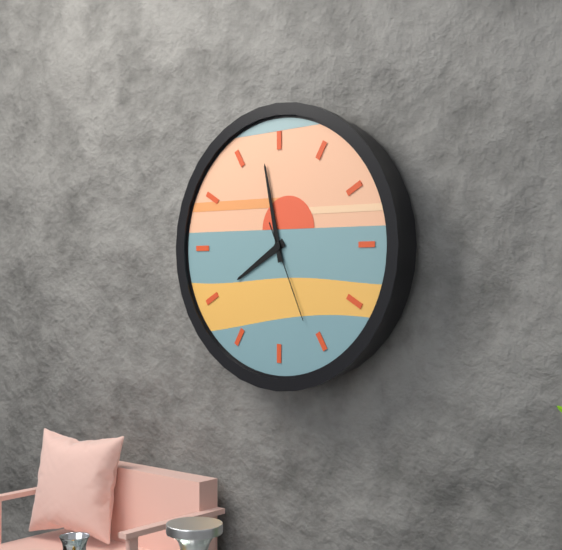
7,58,26
